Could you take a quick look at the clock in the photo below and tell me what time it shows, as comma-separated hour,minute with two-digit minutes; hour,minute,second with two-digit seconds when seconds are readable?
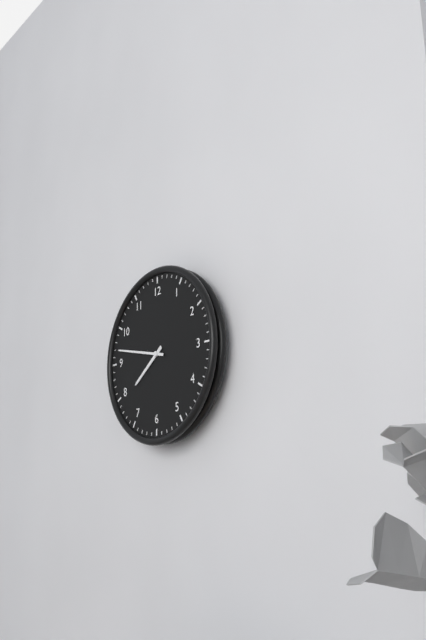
7,47
